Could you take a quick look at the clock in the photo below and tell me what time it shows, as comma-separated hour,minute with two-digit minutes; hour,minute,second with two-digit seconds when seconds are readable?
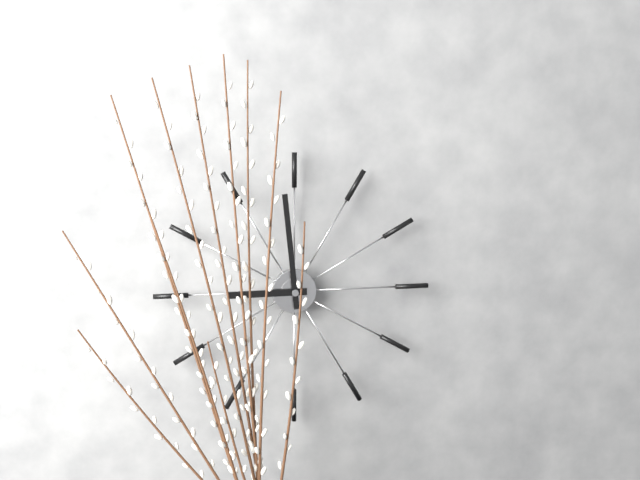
8,59
